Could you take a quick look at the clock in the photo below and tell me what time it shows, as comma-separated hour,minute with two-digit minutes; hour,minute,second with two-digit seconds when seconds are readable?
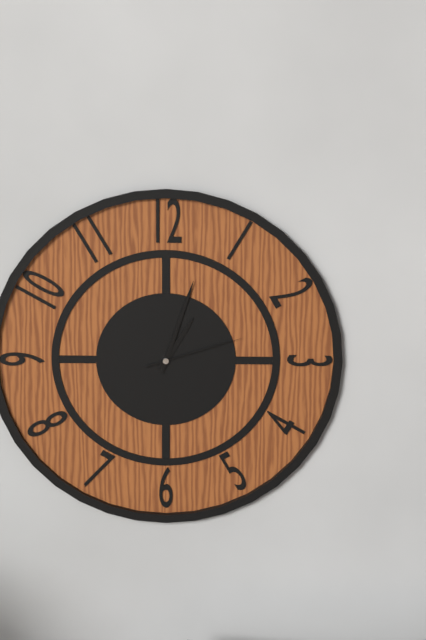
1,03,12
